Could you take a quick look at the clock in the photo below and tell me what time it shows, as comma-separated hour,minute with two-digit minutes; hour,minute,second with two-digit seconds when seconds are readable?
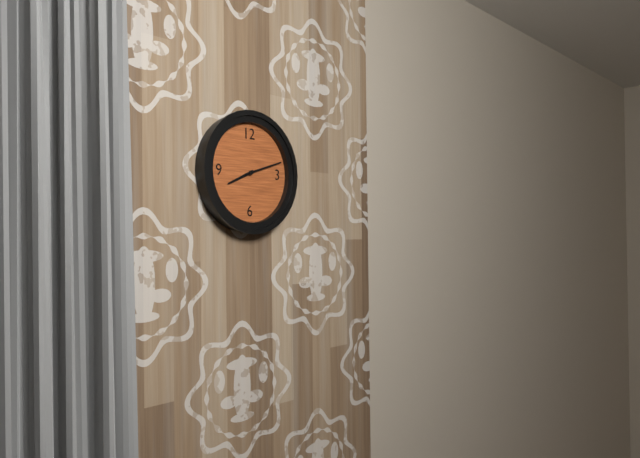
8,12
